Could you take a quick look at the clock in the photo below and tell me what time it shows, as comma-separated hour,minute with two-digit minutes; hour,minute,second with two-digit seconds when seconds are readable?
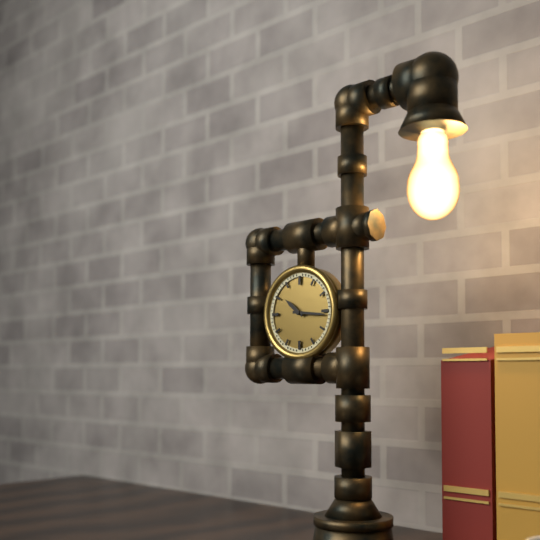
10,16
